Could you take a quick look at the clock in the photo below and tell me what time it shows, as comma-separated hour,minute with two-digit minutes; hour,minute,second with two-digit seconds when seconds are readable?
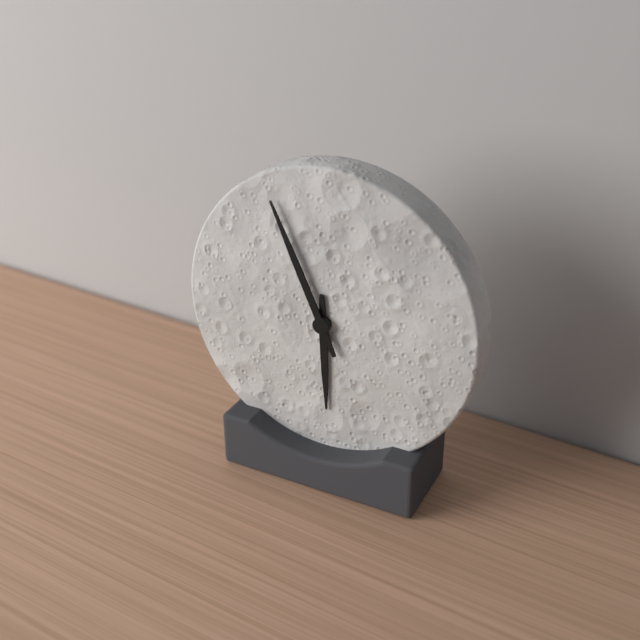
5,56
